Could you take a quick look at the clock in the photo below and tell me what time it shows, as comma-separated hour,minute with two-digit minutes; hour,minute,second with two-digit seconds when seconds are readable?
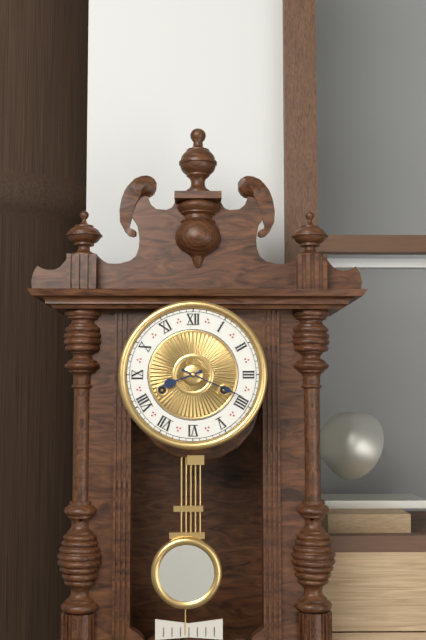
8,19
